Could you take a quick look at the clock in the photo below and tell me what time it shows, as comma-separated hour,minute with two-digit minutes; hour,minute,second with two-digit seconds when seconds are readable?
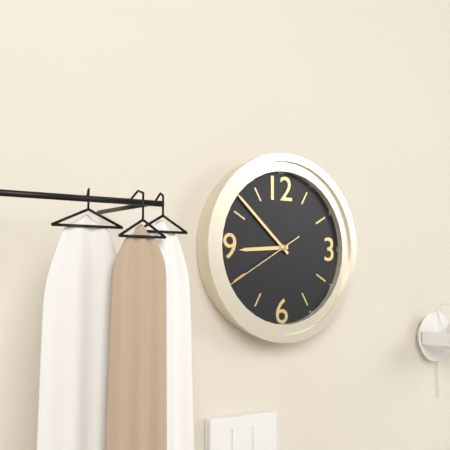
8,52,40
